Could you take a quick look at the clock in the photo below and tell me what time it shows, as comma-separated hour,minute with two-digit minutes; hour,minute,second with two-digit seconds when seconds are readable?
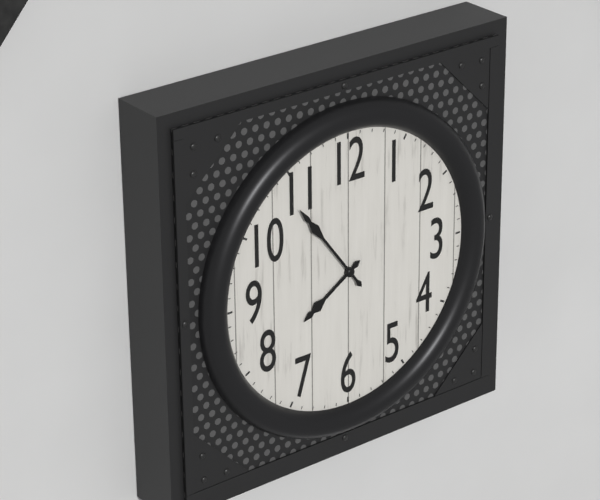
7,54
